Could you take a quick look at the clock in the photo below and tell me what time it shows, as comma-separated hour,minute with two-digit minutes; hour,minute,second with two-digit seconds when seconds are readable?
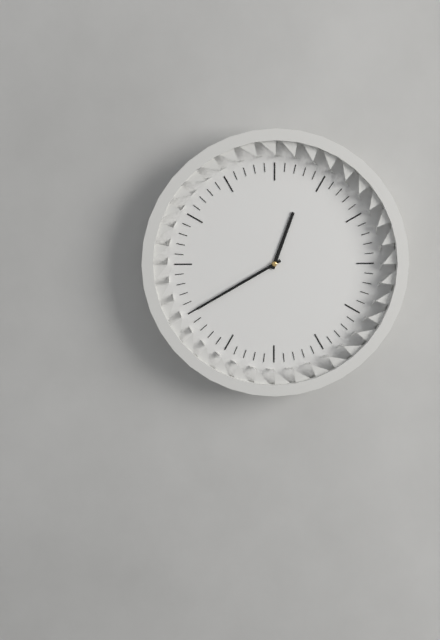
12,40
